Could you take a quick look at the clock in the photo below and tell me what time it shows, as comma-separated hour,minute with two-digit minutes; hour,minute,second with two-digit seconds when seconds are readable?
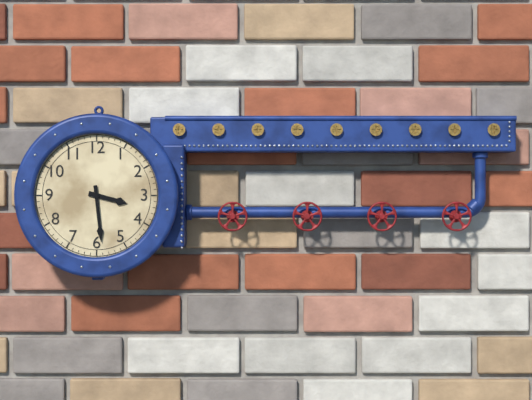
3,29
